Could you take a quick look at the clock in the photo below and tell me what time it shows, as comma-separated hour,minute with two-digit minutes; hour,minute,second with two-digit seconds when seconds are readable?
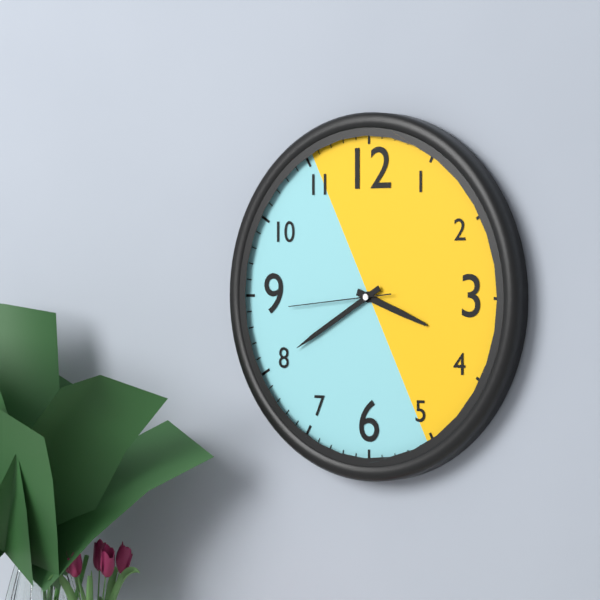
3,40,44
